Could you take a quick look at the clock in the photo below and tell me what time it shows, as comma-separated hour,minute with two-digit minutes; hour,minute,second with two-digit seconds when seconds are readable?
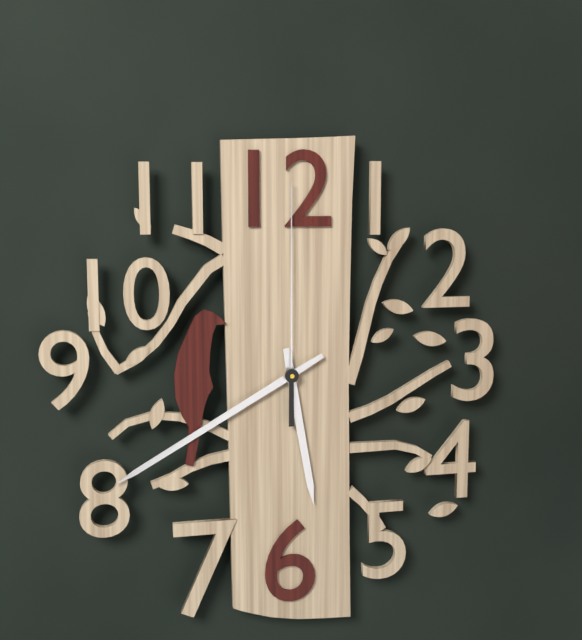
5,40,00
